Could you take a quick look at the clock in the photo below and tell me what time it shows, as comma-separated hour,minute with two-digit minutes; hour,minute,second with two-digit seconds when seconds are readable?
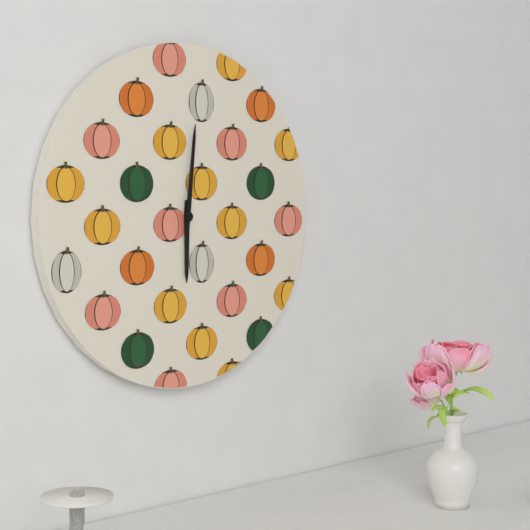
6,01
